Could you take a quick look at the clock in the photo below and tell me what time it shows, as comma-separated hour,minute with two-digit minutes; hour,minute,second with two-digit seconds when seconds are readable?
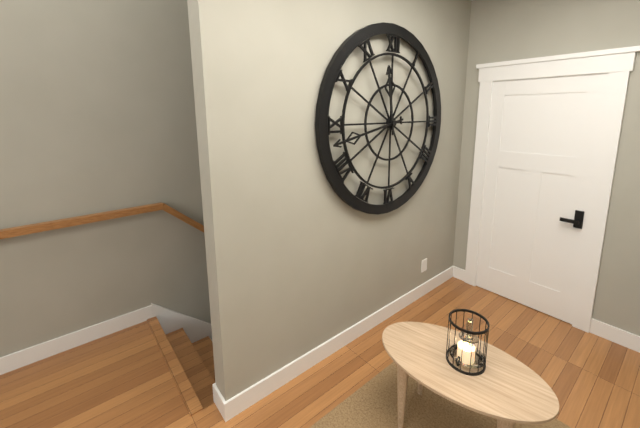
11,43
